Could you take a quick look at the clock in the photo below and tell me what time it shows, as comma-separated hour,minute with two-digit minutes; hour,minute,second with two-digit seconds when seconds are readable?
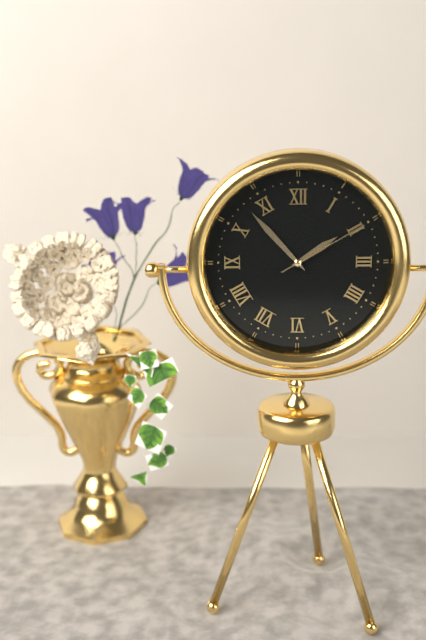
1,53,10
